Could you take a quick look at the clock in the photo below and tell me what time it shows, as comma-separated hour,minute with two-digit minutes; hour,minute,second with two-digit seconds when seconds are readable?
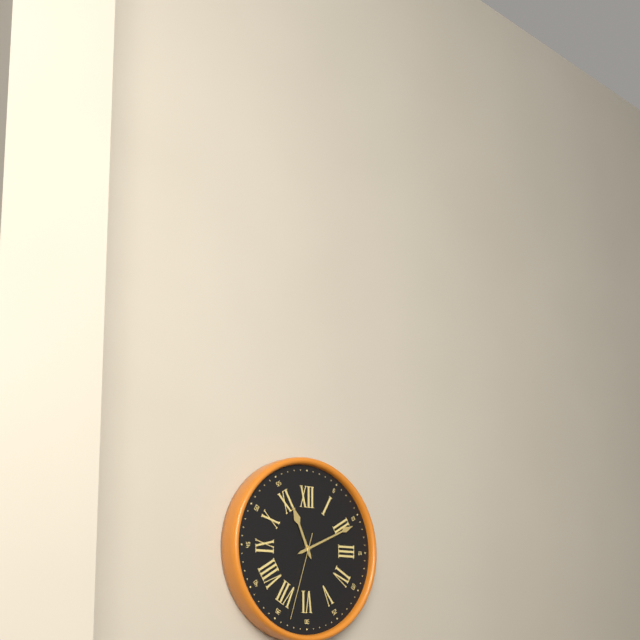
11,11,33
